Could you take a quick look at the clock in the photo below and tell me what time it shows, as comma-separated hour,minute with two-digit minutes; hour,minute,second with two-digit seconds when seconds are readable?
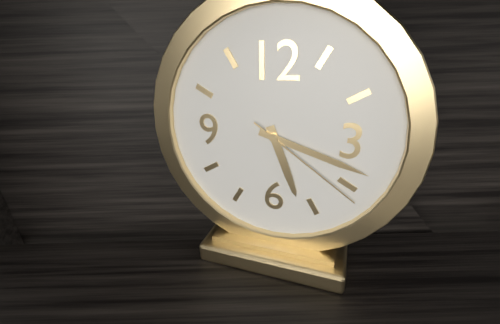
5,18,21
